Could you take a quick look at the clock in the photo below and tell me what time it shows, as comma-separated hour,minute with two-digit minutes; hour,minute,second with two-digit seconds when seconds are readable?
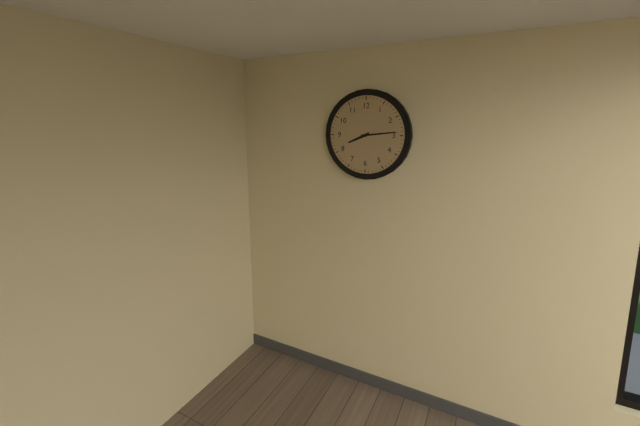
8,14
